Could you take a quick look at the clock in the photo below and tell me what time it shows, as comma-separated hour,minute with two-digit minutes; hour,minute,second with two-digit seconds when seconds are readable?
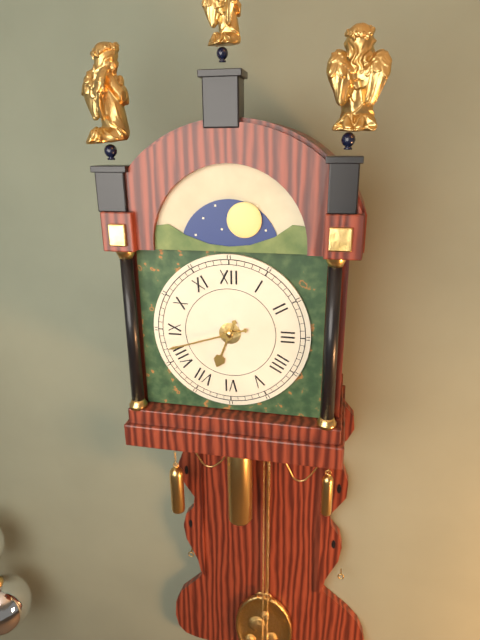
6,42
